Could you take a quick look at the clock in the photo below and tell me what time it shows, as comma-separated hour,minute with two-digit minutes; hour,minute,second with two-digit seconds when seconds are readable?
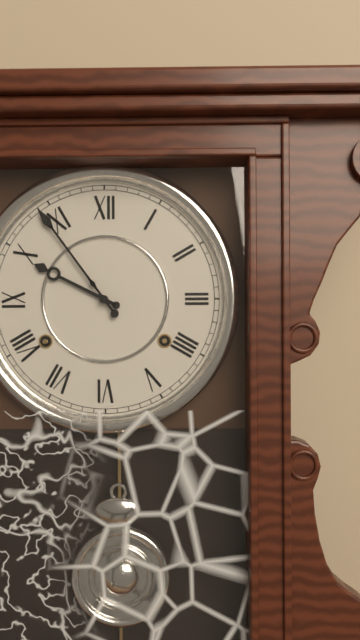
9,54
